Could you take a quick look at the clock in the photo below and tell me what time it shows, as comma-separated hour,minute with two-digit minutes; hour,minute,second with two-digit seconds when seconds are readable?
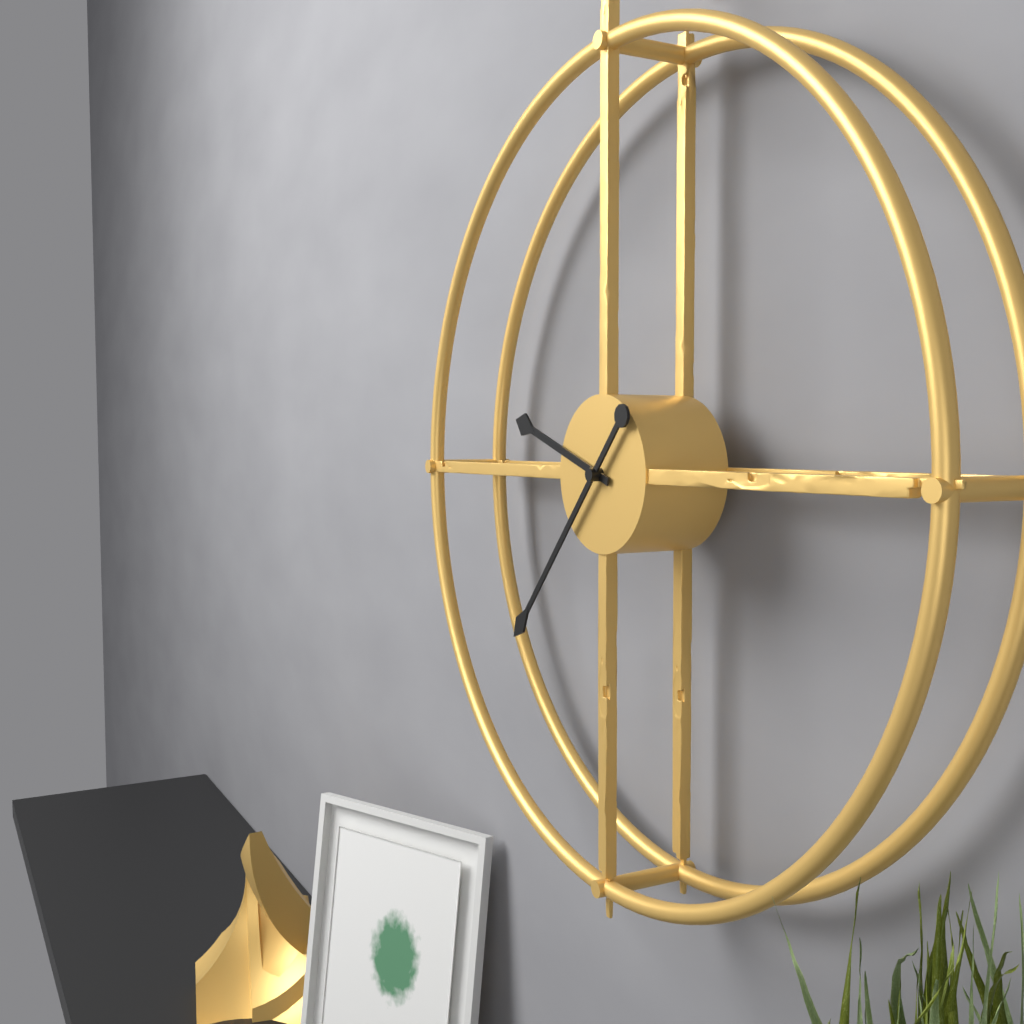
9,37
